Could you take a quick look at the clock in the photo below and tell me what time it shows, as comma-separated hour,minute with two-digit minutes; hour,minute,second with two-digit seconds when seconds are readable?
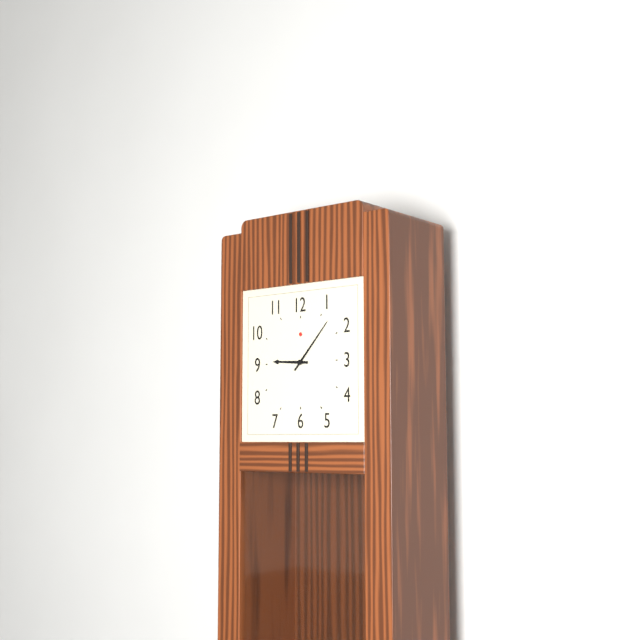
9,07
